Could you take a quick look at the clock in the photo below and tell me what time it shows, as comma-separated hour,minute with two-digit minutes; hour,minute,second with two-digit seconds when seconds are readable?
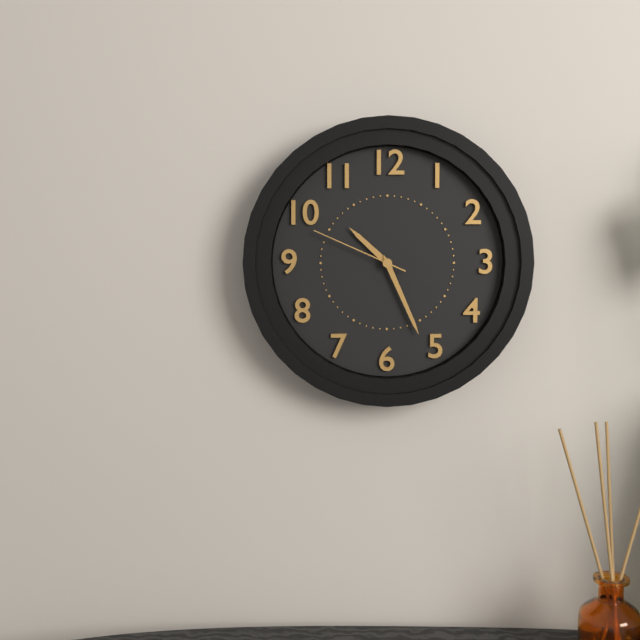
10,26,49
